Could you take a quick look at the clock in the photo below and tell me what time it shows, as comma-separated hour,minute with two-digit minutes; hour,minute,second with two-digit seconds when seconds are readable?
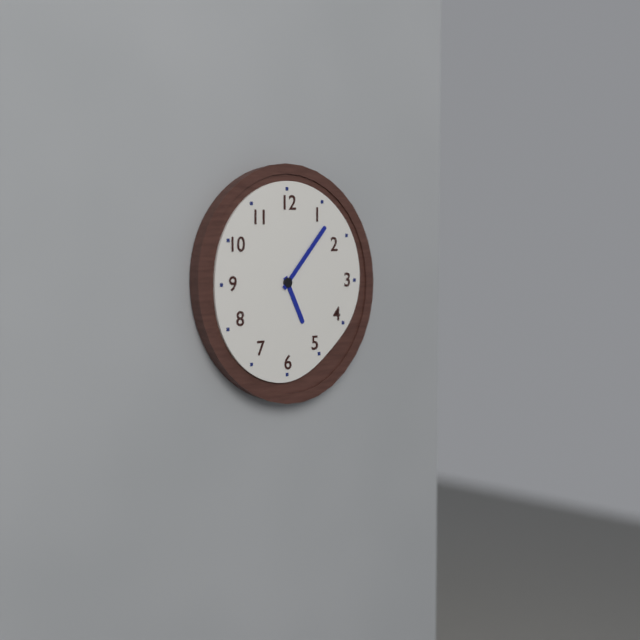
5,07
